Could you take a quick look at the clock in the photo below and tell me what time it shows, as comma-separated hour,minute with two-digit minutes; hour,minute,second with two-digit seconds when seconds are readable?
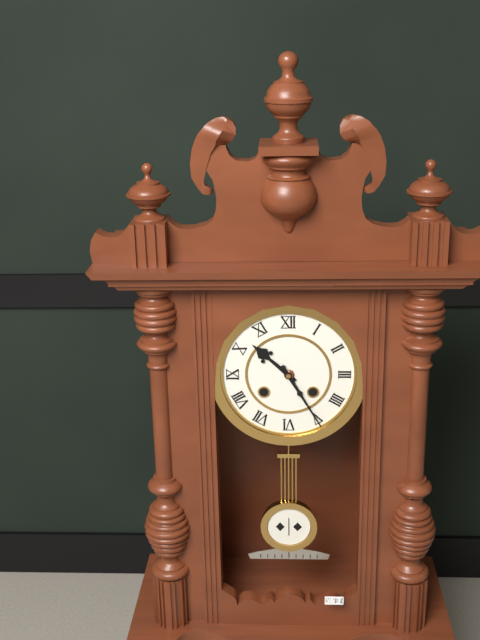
10,25
